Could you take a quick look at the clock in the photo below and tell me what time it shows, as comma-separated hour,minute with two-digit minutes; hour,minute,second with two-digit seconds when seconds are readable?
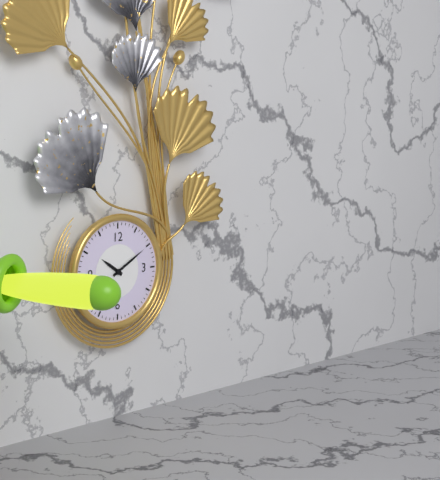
10,10
